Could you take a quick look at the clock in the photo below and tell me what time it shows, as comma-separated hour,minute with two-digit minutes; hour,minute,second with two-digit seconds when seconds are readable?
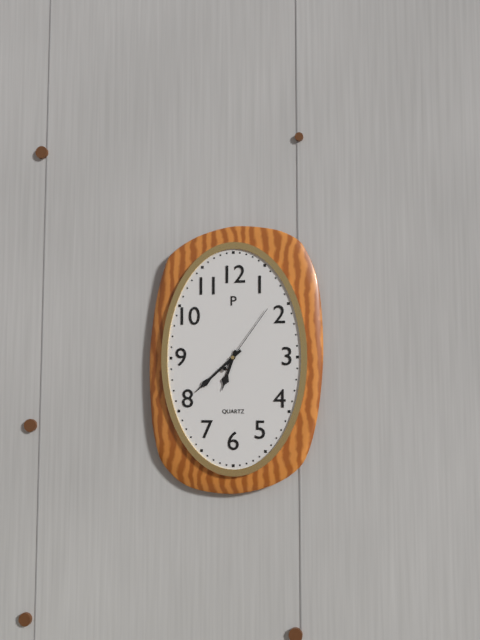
6,38,06
